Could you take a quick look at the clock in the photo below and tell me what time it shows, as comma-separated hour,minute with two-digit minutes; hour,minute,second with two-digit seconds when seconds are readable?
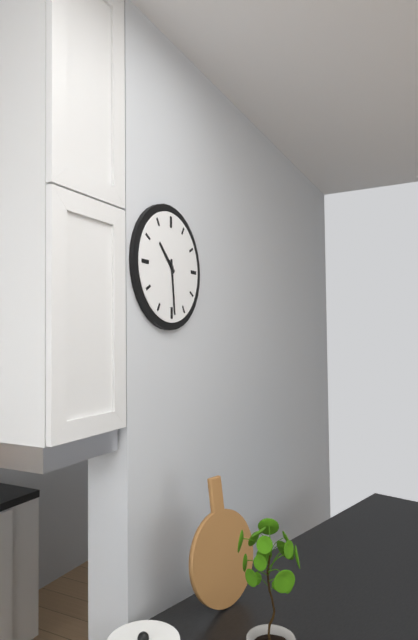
10,29
